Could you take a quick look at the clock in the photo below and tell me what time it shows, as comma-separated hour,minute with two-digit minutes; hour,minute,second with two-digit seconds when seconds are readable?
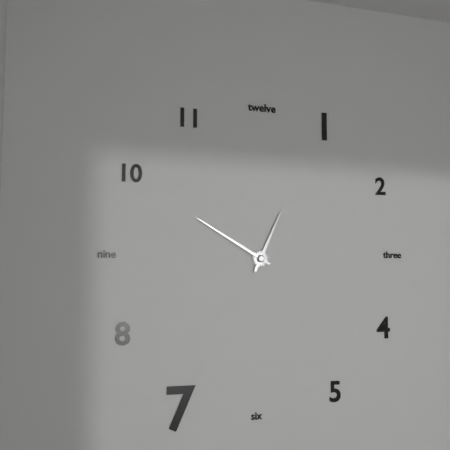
12,50
